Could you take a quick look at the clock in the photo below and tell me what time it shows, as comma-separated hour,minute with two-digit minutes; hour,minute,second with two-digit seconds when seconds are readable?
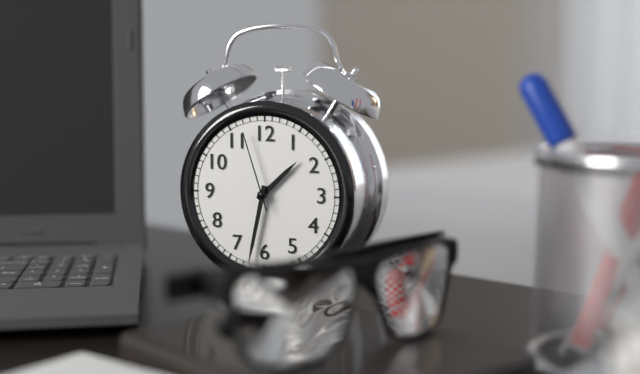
1,32,57
